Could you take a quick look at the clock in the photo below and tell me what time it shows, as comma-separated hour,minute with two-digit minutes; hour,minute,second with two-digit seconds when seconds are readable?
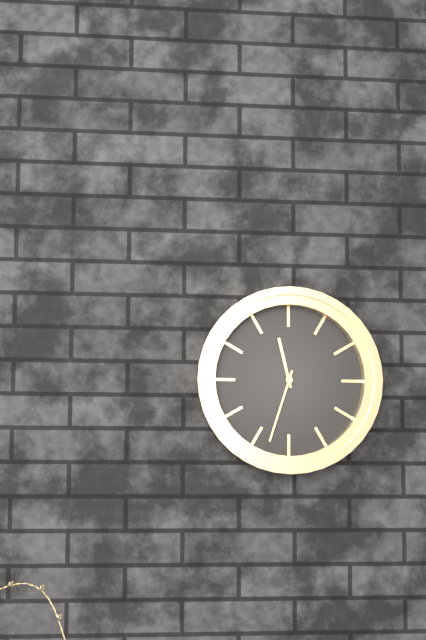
11,33
